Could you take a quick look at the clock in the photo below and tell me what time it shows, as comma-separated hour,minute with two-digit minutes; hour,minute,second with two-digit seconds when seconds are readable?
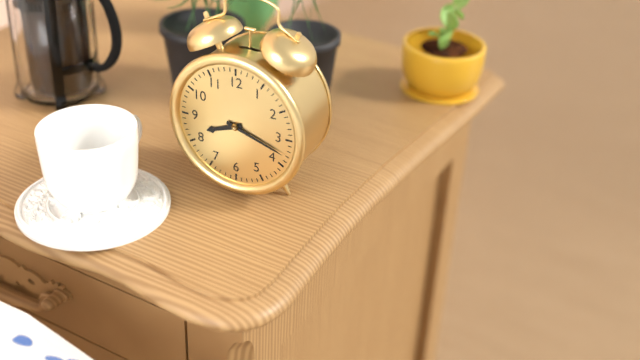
8,18
